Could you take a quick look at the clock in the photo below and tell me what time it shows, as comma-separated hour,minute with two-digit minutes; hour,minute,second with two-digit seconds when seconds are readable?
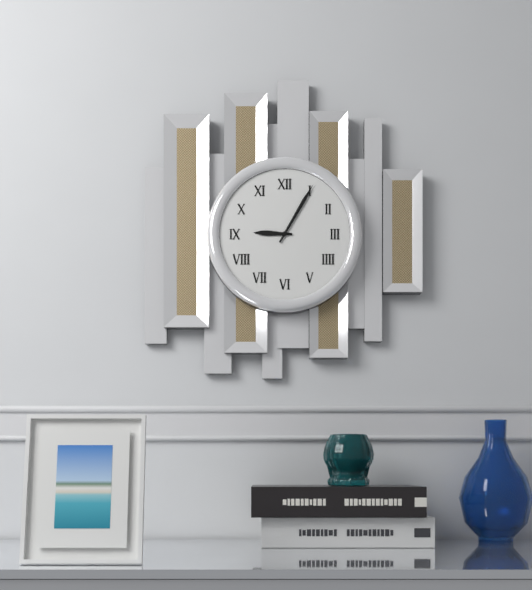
9,05
